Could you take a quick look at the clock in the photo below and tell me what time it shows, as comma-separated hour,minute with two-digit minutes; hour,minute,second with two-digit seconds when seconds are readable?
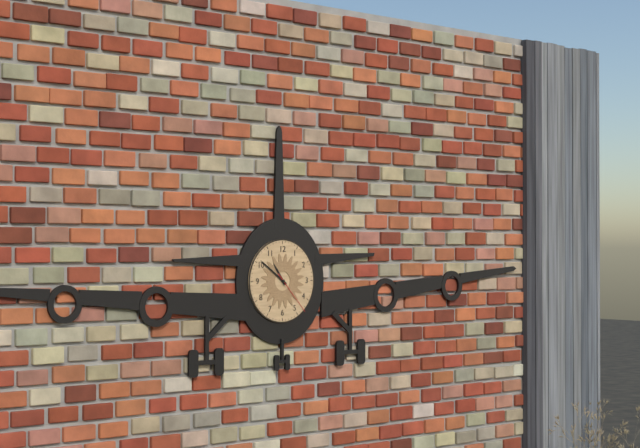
10,51
